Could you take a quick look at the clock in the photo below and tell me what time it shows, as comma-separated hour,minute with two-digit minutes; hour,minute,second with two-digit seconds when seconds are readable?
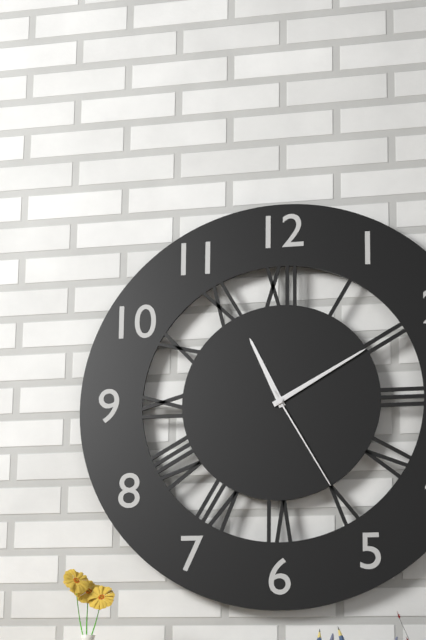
11,10,25
